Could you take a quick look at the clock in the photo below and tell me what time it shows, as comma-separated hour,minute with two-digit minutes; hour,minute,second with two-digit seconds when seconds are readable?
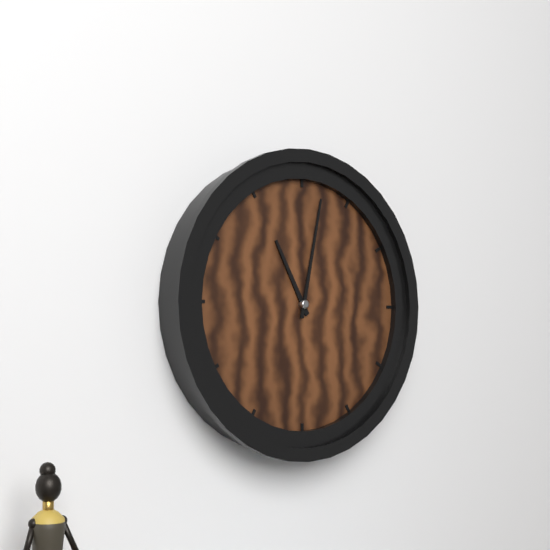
11,02
